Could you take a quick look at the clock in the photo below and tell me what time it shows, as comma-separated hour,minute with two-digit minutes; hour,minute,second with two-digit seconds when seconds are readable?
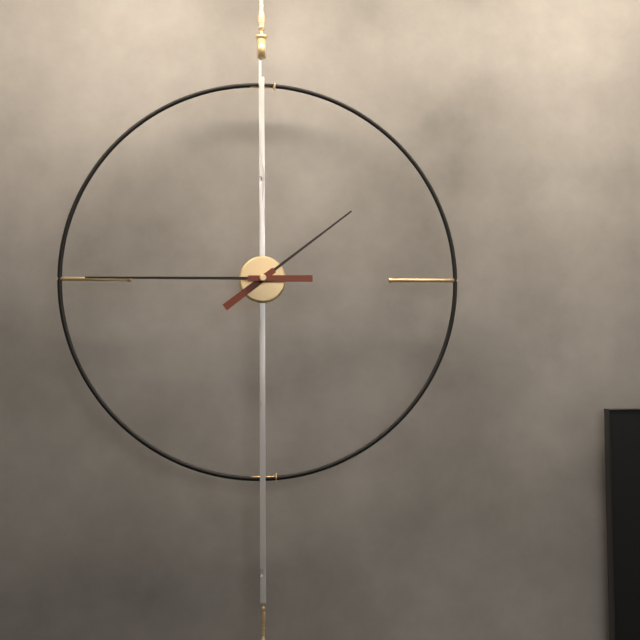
1,45
